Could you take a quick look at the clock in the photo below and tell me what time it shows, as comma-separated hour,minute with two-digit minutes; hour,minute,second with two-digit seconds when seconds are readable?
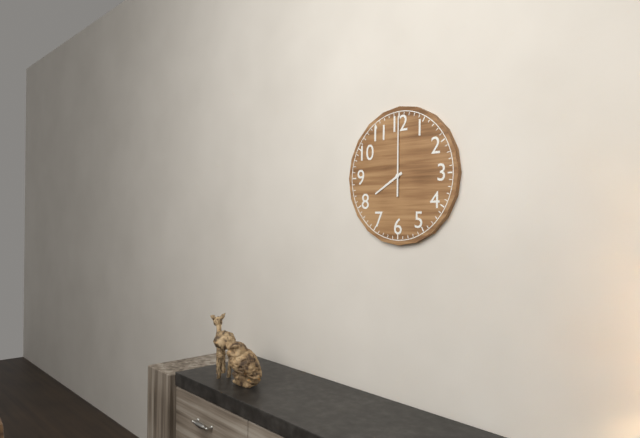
8,00
